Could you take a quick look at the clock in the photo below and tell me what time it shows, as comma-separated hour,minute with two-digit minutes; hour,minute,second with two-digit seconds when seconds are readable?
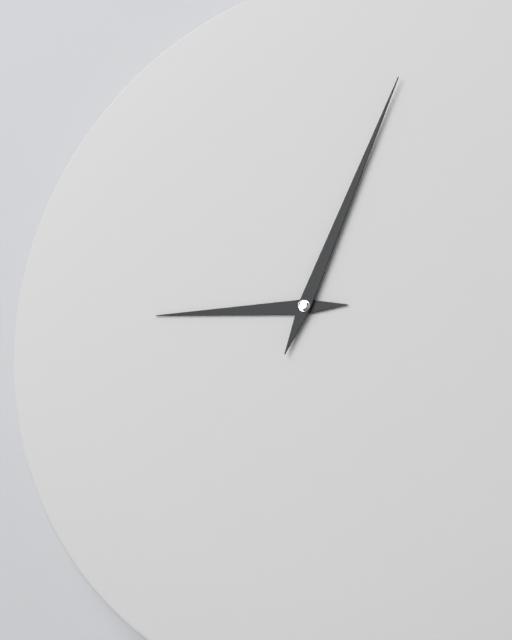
9,04
